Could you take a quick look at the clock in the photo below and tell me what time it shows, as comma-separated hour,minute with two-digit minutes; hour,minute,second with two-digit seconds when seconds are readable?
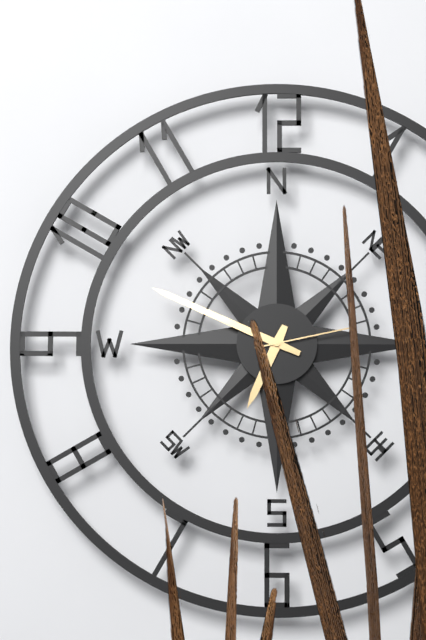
6,49,13
